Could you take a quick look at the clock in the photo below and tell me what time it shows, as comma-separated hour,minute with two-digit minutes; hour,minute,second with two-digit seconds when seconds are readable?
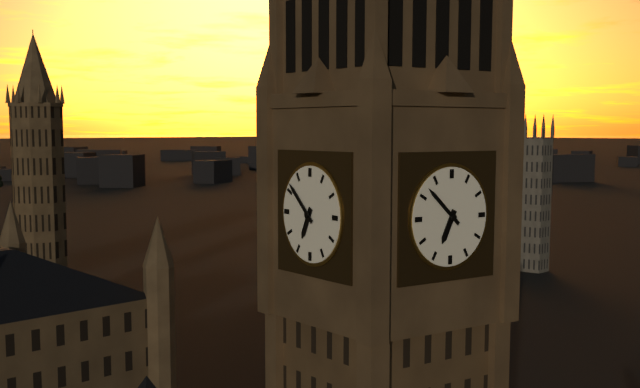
6,52
